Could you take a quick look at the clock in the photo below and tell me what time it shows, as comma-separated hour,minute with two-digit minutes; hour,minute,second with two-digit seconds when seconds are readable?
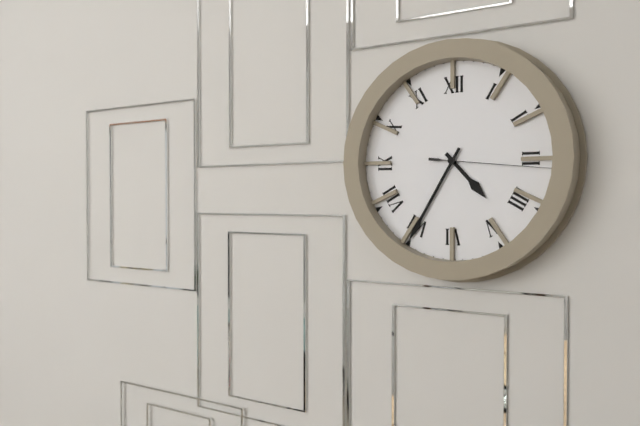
4,35,16
